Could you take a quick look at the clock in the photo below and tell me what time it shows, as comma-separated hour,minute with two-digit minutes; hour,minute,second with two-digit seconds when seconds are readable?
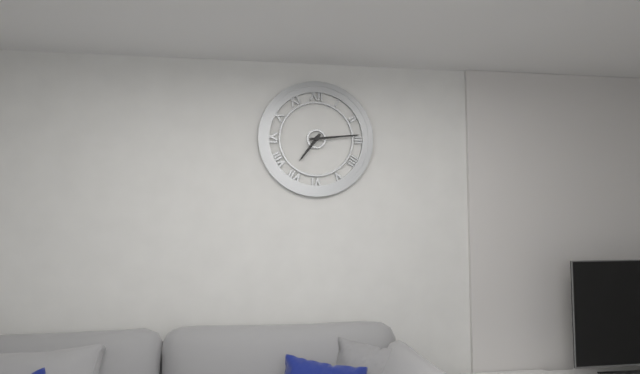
7,14
